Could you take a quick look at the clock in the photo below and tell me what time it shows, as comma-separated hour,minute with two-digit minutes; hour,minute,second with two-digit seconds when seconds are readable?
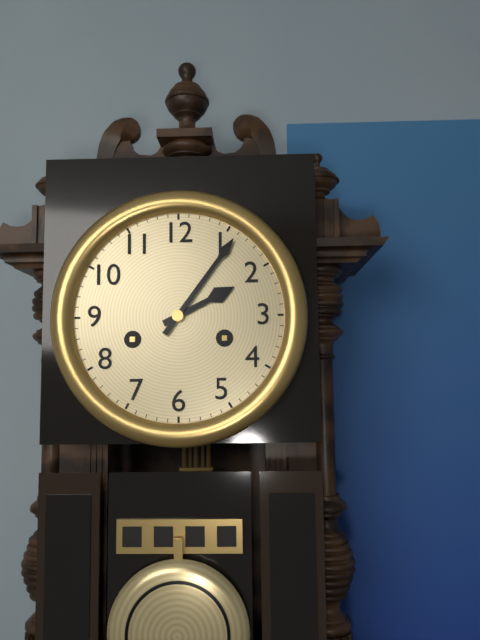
2,06
